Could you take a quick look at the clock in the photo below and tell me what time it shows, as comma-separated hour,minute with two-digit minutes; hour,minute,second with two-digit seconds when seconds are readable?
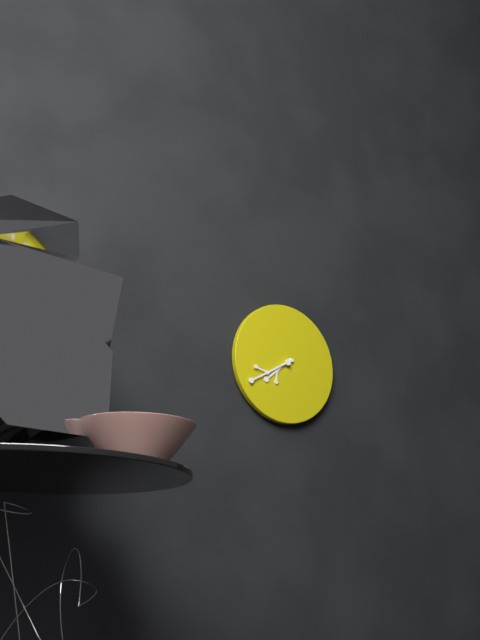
7,40
